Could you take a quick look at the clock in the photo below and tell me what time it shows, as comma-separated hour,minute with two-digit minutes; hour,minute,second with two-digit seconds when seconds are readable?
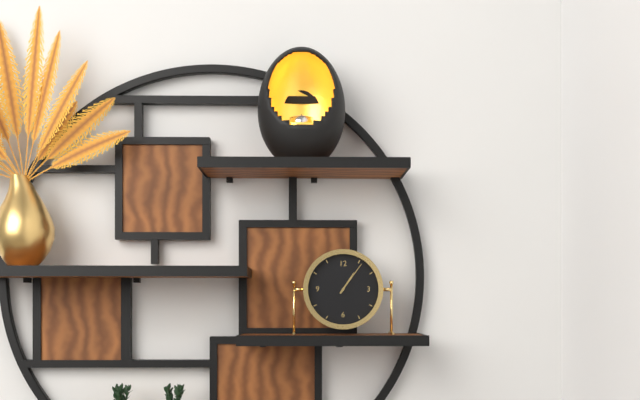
1,06
